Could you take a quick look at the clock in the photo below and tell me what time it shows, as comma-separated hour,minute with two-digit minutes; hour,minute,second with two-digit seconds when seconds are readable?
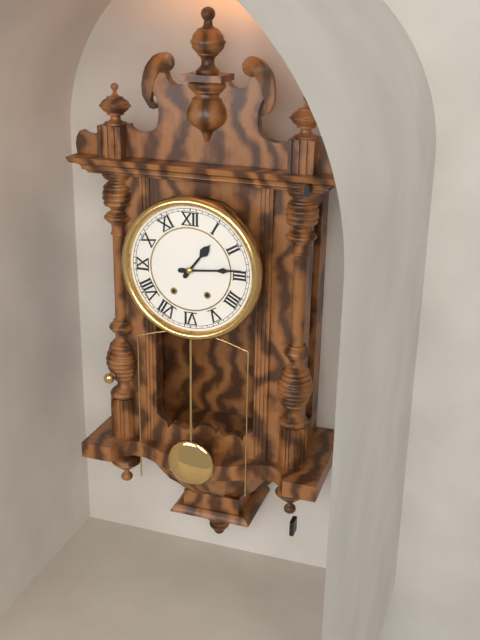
1,14
